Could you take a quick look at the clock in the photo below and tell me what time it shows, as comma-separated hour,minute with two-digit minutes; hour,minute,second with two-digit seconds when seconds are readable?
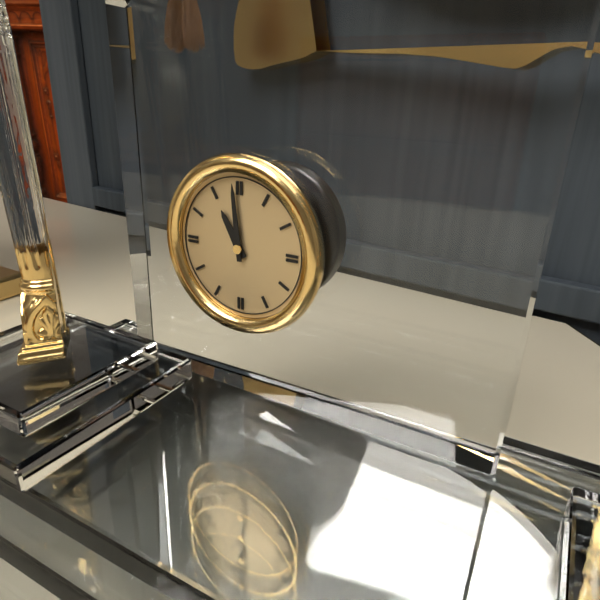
10,59
